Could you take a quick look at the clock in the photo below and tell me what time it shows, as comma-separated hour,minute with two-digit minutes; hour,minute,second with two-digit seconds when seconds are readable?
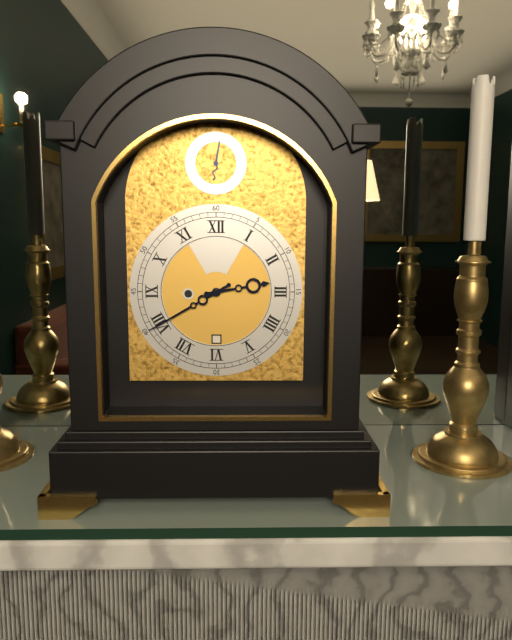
2,40
